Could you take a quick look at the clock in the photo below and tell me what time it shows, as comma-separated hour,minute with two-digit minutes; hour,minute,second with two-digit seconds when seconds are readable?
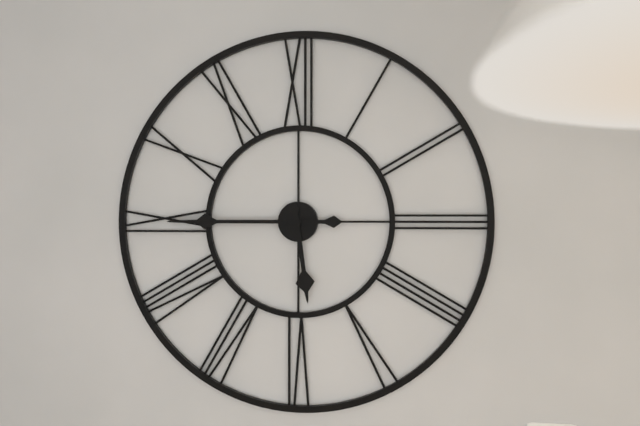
5,45
